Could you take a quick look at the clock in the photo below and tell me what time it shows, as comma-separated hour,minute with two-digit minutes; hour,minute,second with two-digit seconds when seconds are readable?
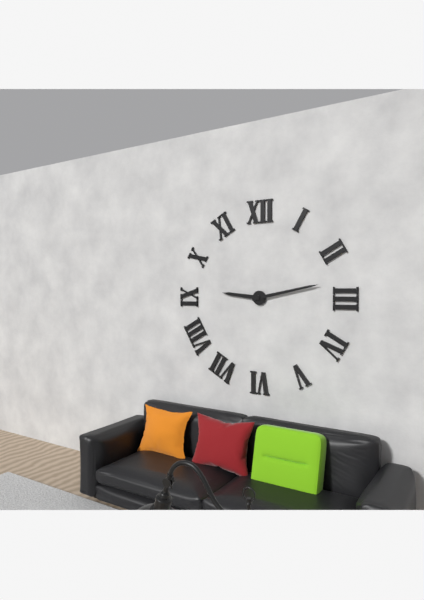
9,13
